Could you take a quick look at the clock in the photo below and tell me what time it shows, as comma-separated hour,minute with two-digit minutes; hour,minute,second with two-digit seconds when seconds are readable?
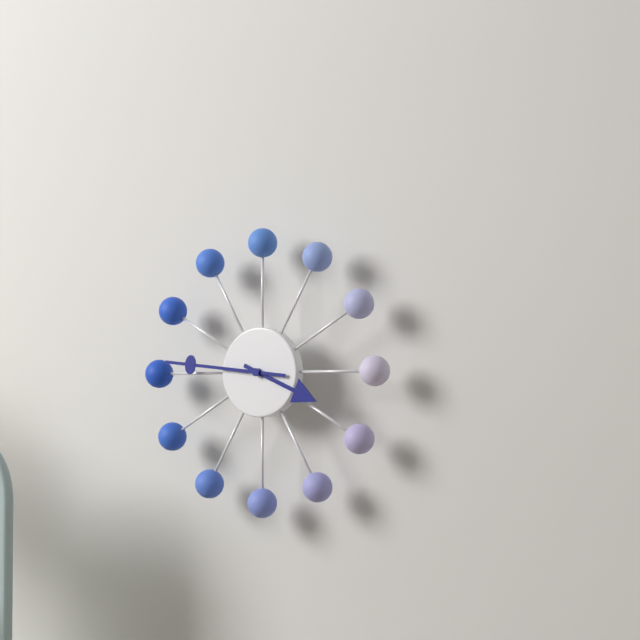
3,46
